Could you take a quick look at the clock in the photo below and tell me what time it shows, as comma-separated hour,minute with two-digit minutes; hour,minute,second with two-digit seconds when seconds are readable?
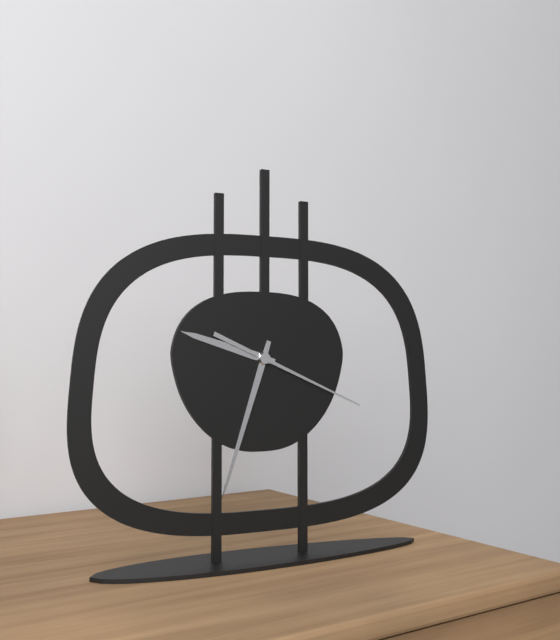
9,33,19
